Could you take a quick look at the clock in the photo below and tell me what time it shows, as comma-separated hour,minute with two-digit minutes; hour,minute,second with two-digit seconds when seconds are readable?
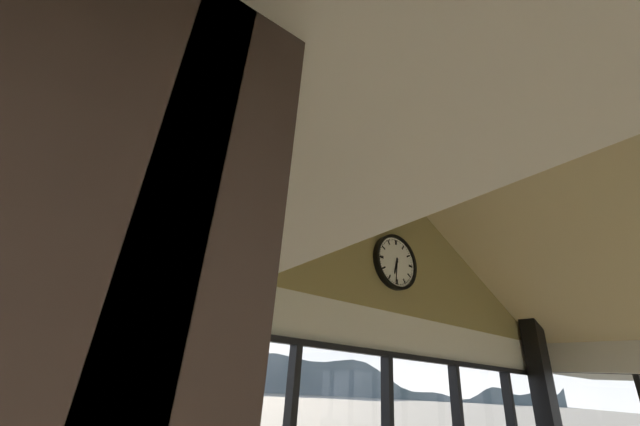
6,31
